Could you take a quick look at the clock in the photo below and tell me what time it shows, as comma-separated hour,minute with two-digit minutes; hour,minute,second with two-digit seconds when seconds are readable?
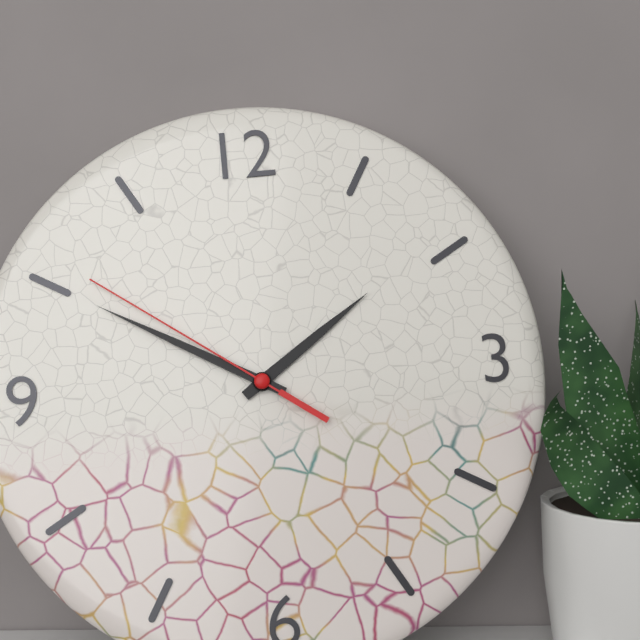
1,50,51
